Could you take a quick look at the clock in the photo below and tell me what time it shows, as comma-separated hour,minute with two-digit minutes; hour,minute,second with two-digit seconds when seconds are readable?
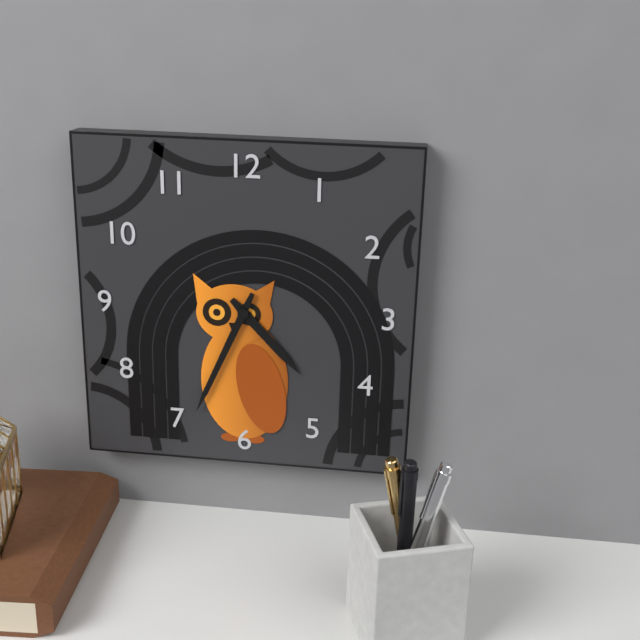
4,34
